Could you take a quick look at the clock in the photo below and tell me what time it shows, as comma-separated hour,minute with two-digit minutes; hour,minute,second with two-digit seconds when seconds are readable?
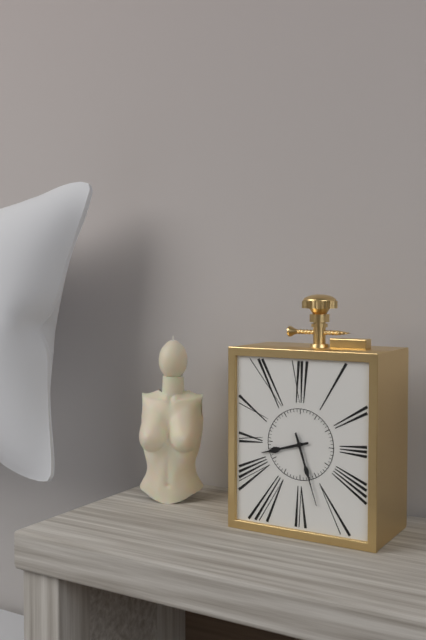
8,27
